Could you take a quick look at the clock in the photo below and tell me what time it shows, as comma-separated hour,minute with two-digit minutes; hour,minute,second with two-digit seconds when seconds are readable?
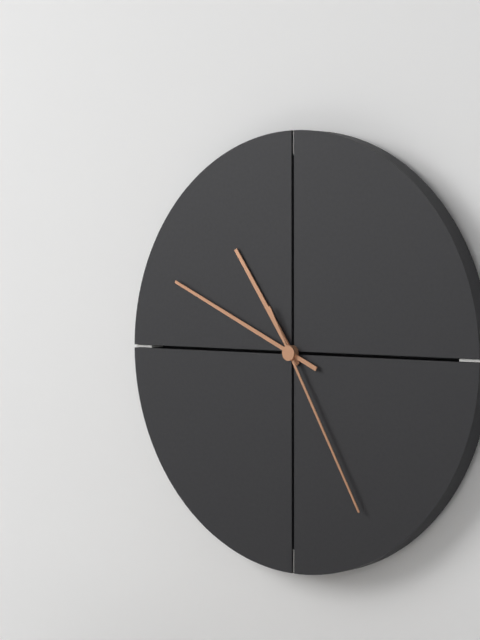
10,49,25
